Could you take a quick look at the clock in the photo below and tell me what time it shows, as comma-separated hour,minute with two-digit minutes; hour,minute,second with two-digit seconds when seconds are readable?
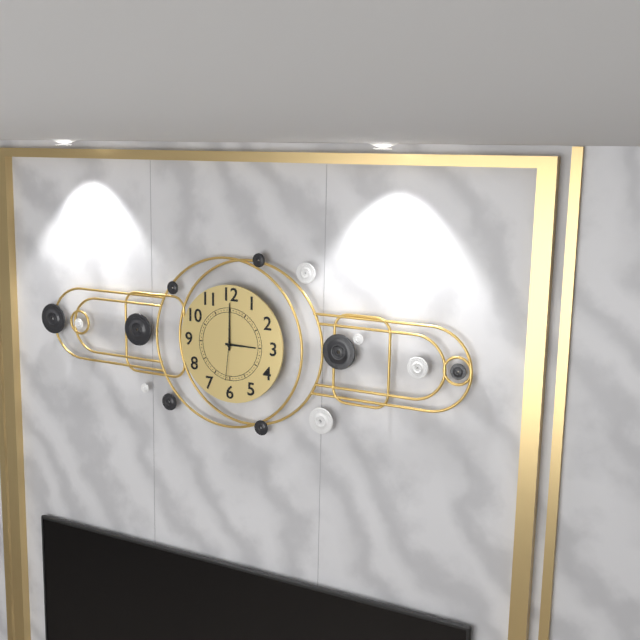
3,00
